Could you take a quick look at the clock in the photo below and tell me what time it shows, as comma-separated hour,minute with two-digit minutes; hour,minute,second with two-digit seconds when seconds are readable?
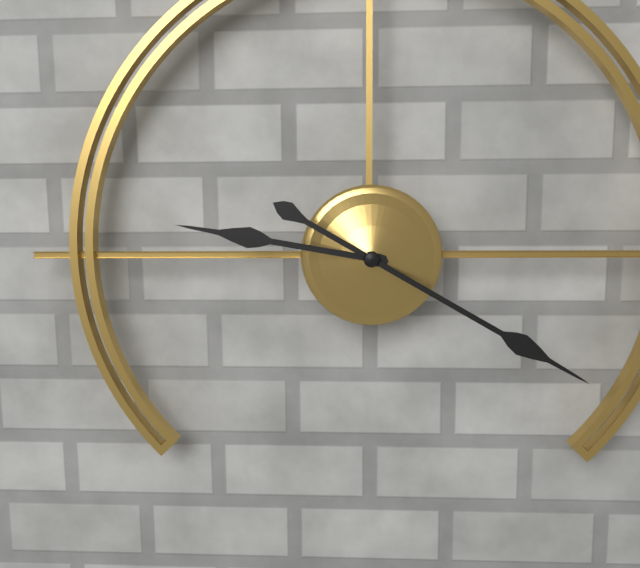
9,20
